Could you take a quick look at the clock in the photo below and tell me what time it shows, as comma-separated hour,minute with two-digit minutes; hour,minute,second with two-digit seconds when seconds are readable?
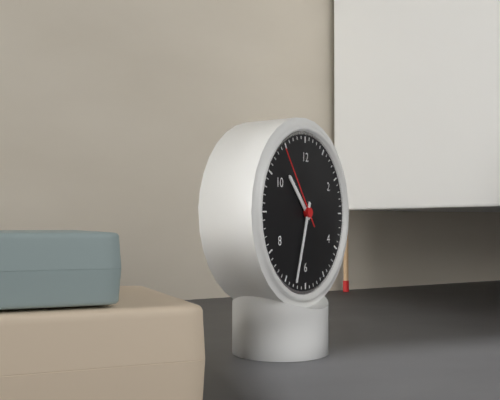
10,33,54
